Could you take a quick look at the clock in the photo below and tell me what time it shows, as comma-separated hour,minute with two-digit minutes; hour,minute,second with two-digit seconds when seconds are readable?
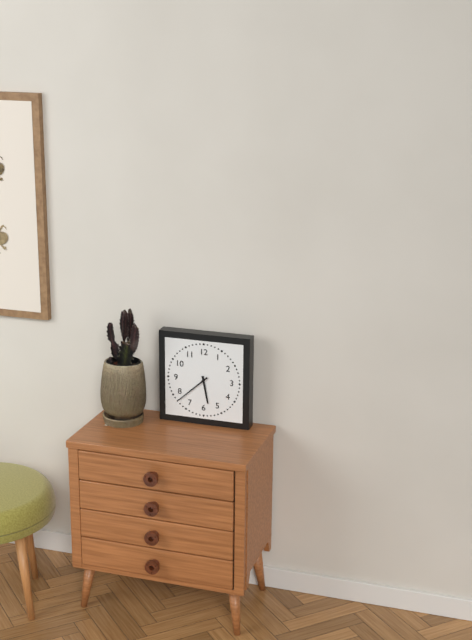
5,38
